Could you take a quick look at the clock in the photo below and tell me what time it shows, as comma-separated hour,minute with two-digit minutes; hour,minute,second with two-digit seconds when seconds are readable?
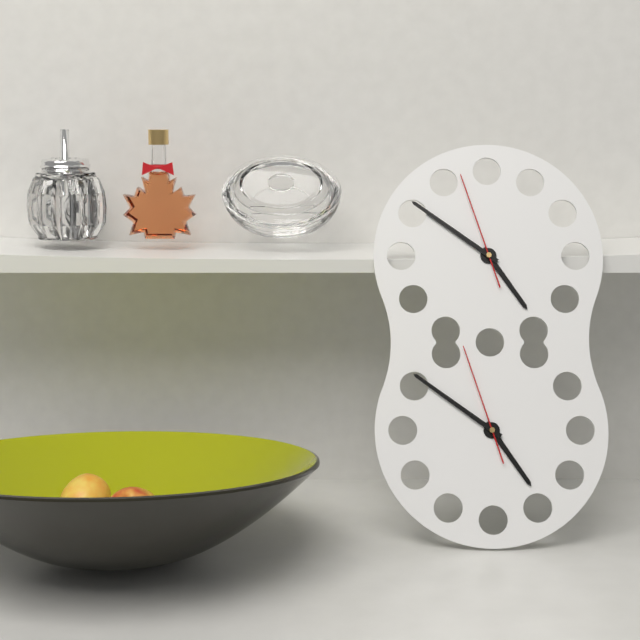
4,51,57
